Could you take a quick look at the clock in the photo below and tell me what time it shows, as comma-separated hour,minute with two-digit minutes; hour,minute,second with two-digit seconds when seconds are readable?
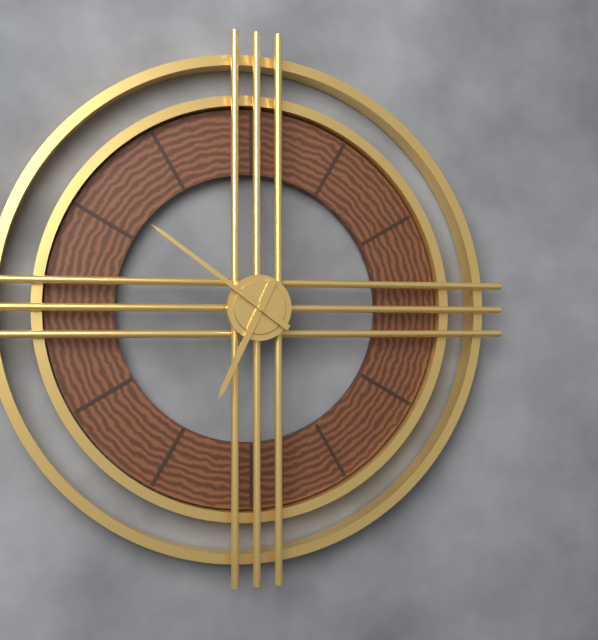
6,51
